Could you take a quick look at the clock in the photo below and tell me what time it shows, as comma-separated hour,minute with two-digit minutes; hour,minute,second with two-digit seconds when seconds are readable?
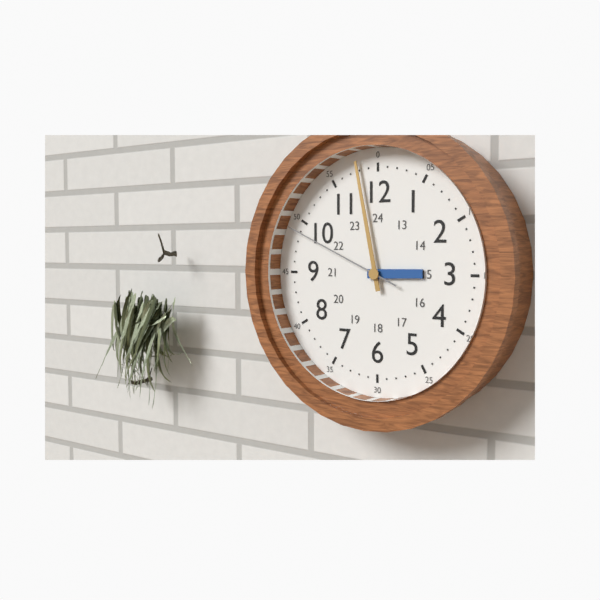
2,58,49
